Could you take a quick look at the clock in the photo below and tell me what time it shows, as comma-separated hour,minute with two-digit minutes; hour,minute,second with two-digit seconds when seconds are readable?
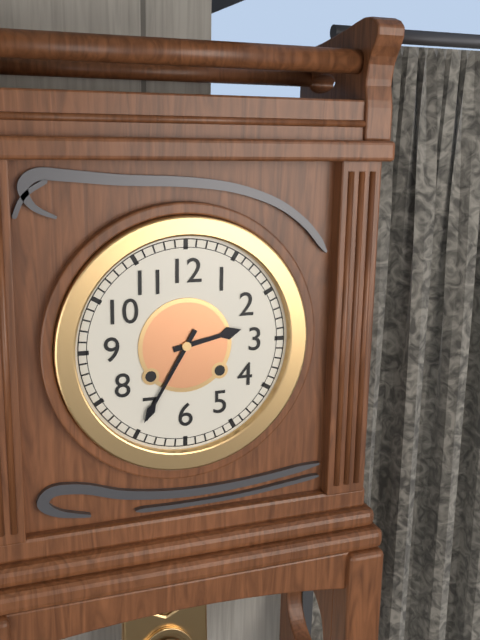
2,35
